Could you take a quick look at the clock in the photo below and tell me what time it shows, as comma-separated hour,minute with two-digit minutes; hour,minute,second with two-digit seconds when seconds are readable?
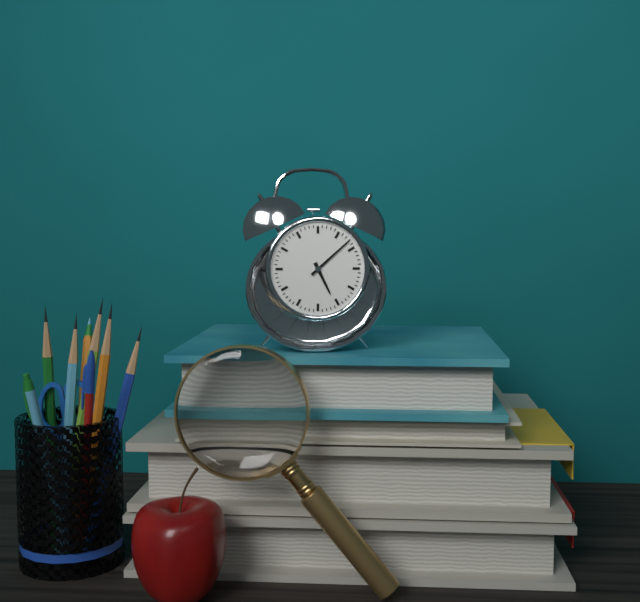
5,08
